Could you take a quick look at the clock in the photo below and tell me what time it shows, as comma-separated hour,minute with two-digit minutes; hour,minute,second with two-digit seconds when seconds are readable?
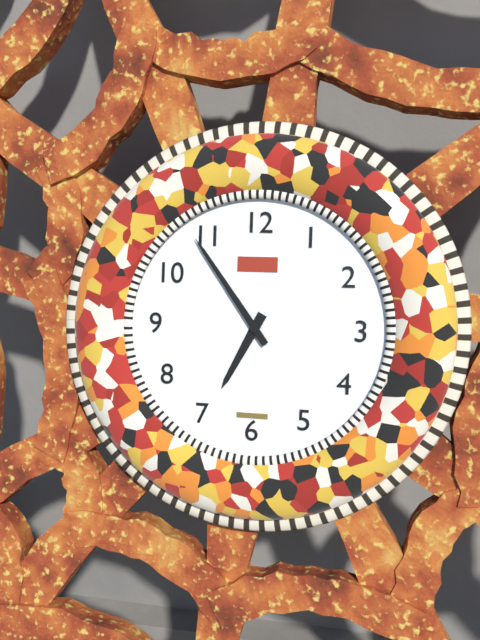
6,54
